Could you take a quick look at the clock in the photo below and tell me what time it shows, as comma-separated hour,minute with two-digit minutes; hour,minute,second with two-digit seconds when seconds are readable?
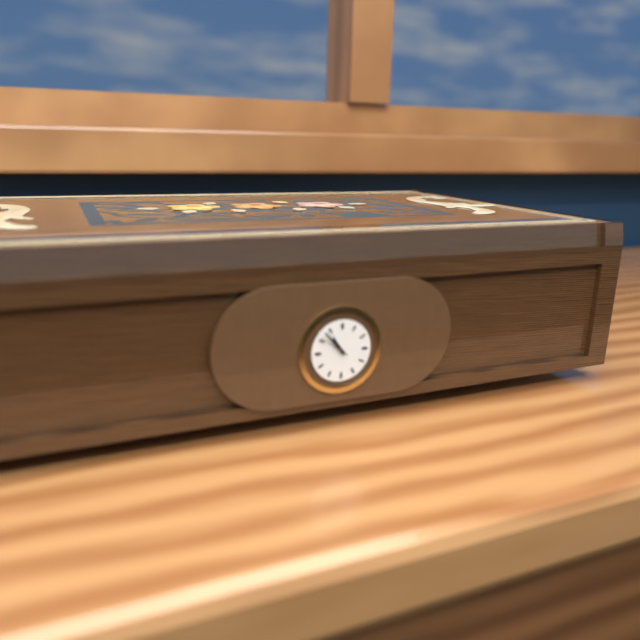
10,53,51
